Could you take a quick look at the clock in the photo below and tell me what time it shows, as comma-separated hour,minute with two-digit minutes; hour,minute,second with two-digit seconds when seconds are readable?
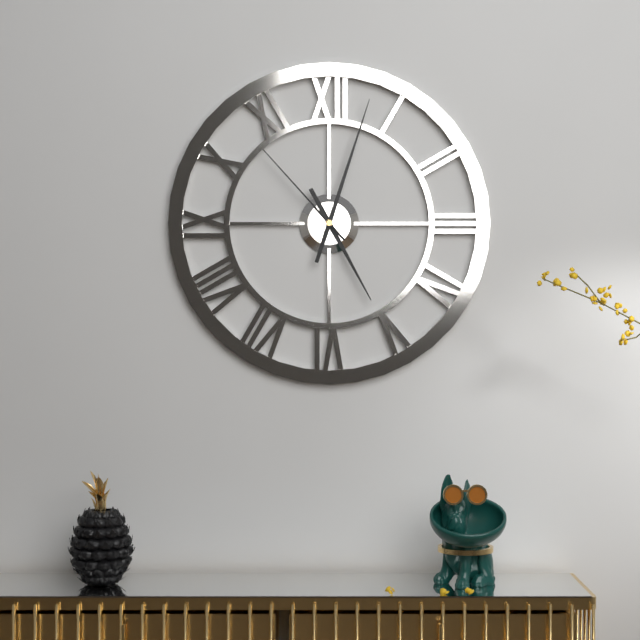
5,03,53
